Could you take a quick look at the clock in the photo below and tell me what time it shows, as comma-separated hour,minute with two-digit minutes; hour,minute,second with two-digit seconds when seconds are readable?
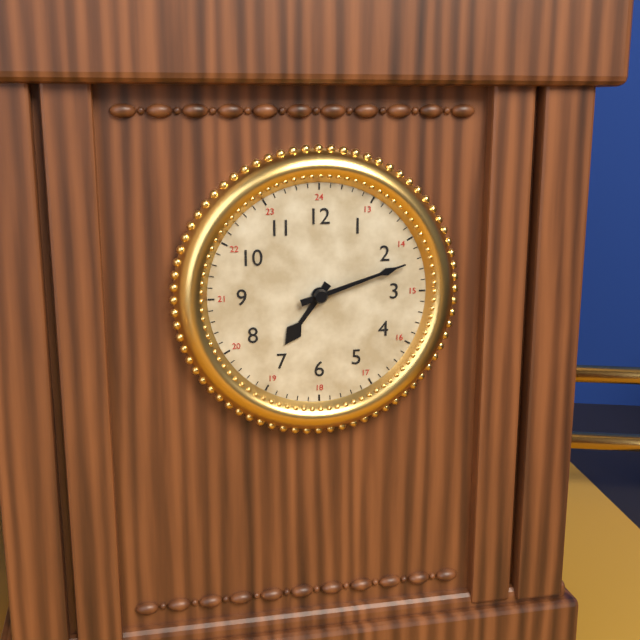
7,12
